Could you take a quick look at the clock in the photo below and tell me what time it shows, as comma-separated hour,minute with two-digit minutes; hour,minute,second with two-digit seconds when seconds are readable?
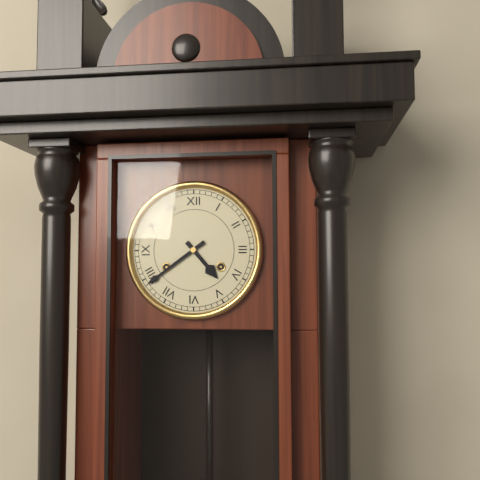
4,39
